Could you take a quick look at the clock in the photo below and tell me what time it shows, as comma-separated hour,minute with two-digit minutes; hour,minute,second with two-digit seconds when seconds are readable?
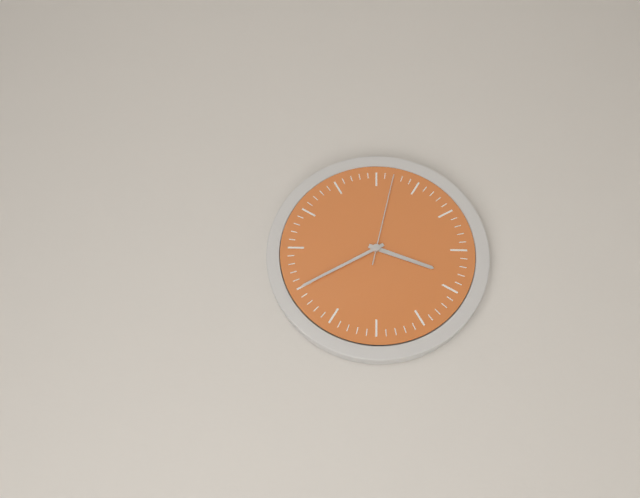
3,40,02
